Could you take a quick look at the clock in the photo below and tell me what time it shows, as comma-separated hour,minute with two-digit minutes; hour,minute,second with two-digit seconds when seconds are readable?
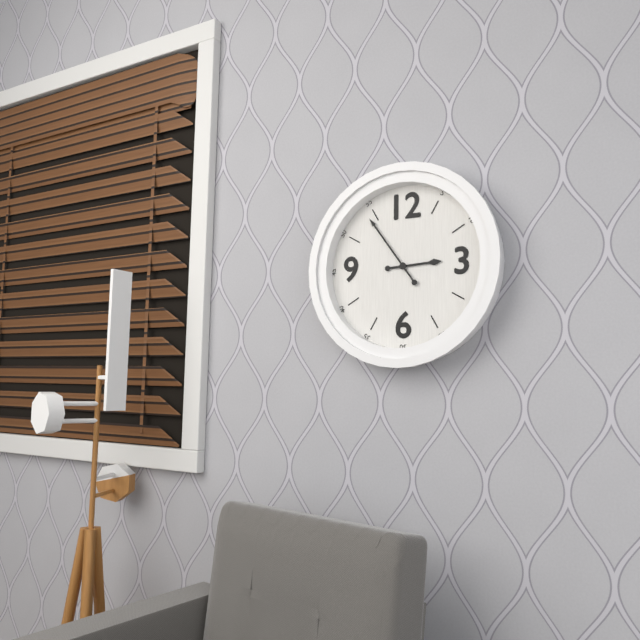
2,54
